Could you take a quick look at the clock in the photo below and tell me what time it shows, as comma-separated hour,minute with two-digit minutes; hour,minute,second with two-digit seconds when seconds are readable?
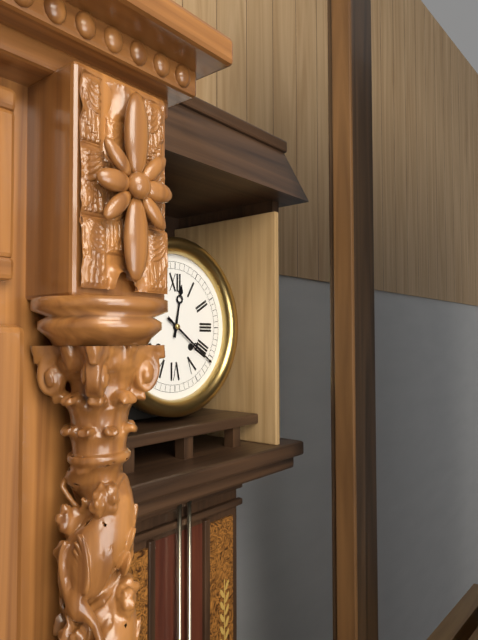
12,21
